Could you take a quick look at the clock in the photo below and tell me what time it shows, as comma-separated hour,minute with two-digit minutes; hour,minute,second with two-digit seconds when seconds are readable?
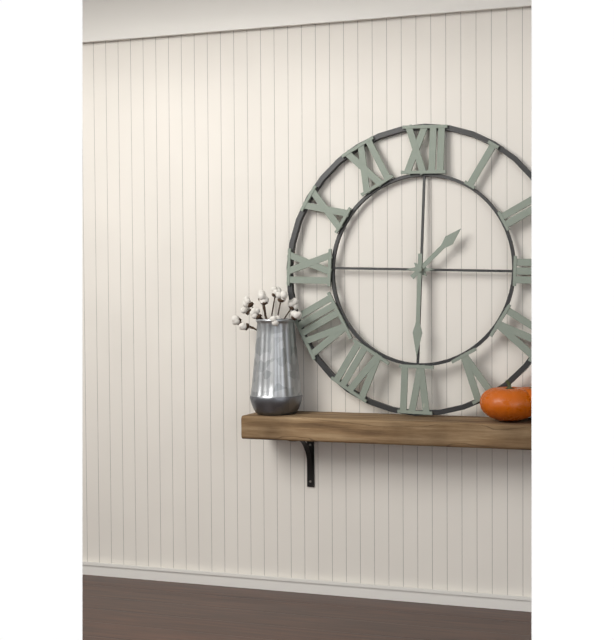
1,30
